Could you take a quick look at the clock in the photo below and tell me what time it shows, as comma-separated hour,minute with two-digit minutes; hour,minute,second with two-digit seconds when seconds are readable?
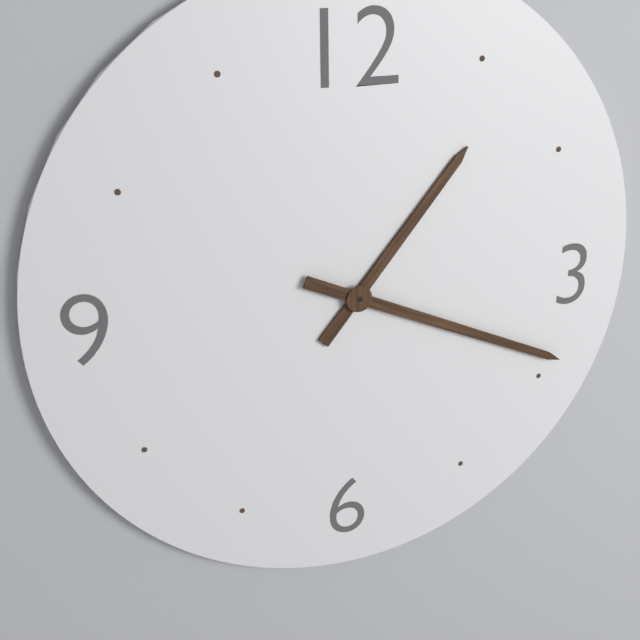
1,19
